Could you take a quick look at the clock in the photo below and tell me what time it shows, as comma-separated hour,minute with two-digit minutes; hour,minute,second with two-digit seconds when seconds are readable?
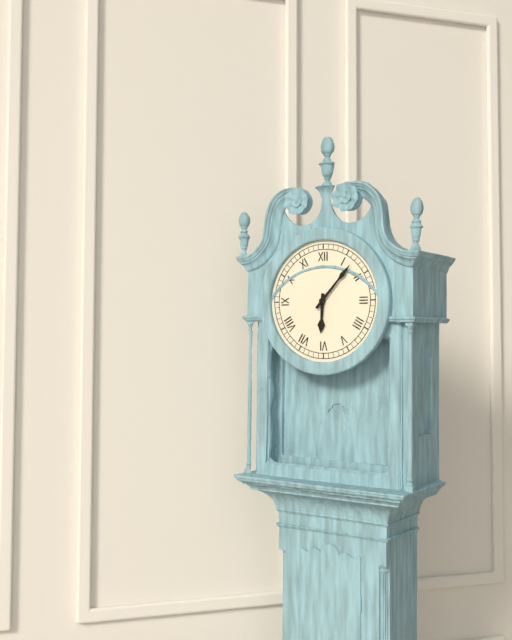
6,07
